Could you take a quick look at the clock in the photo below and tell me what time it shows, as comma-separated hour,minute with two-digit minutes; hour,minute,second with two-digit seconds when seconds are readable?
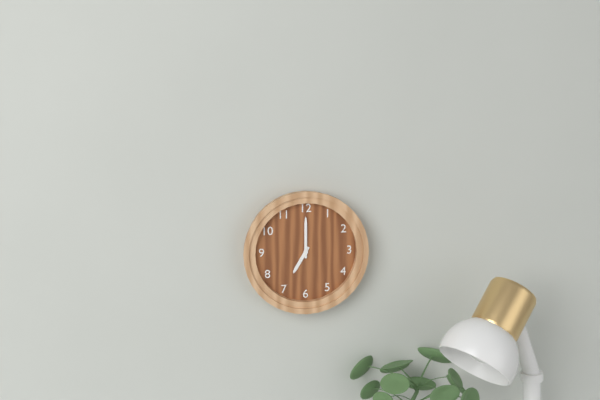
7,00
